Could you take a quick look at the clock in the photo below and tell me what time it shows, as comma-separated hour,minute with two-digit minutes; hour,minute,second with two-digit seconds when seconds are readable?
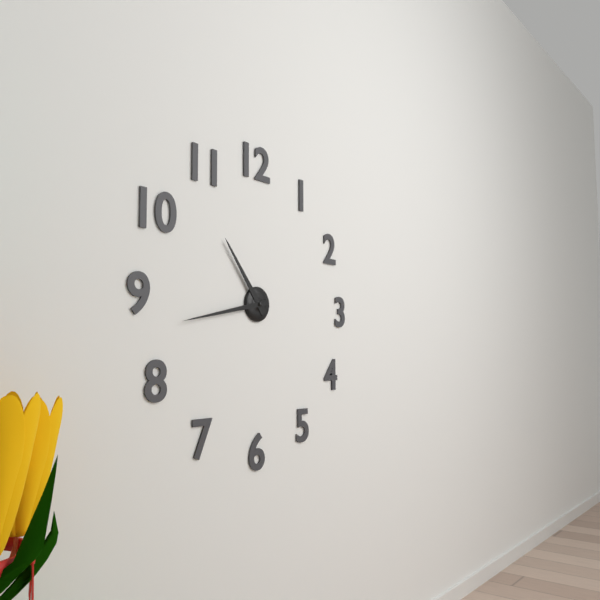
10,43
